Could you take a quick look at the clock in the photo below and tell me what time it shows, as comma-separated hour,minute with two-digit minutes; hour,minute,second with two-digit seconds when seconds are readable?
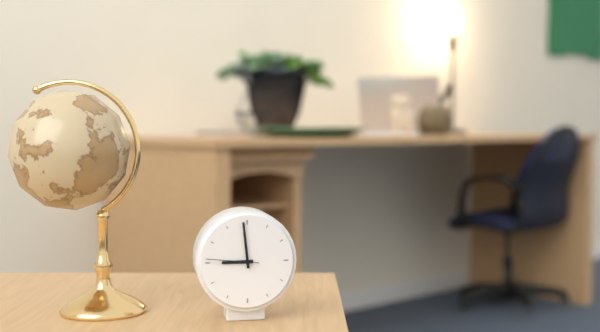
8,59,46
